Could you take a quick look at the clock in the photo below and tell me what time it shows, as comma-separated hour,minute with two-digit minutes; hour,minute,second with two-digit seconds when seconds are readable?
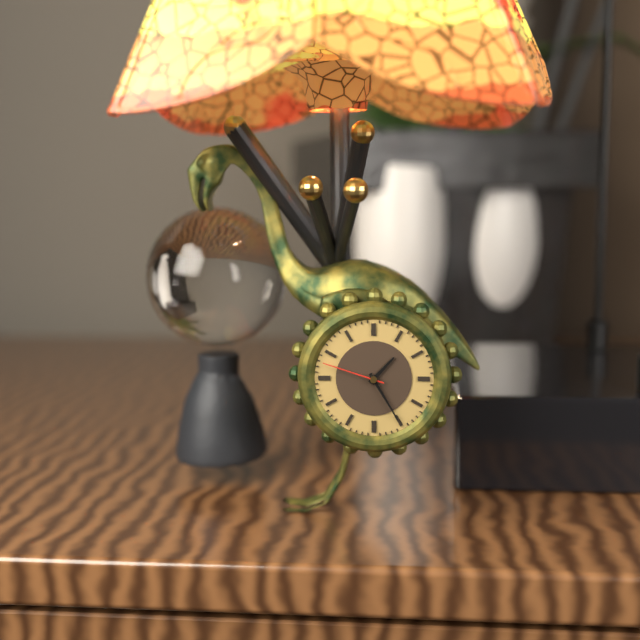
1,25,48
